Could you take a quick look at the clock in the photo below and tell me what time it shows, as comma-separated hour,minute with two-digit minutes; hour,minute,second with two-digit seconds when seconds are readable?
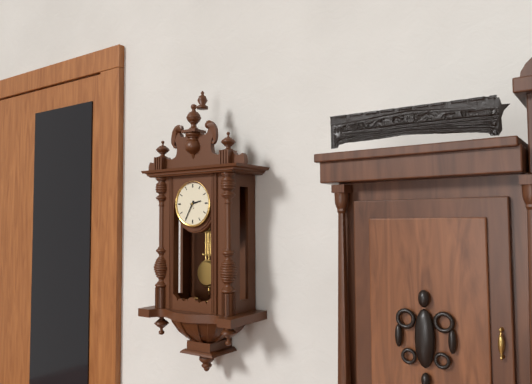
2,35
